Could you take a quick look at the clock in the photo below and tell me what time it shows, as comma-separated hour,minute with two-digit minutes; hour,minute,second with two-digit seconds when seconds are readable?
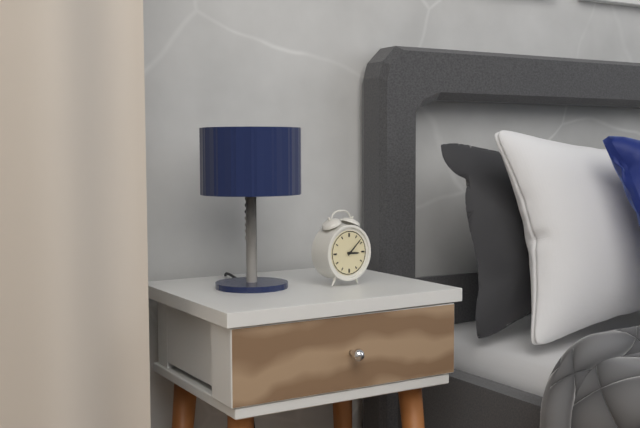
3,08
